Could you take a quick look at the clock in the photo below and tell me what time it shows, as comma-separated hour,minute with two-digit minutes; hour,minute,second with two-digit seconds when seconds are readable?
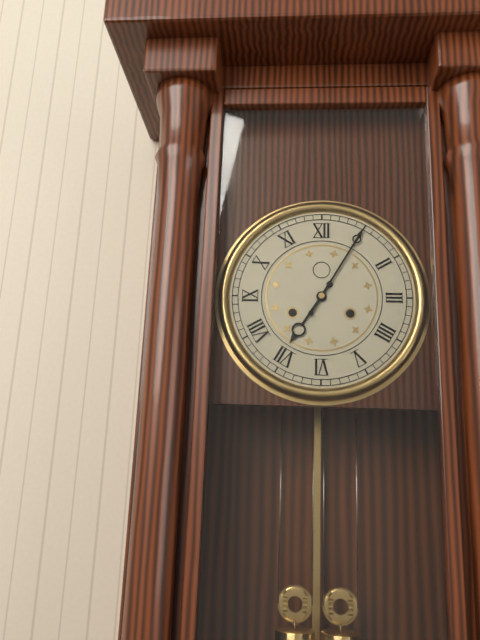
7,05
